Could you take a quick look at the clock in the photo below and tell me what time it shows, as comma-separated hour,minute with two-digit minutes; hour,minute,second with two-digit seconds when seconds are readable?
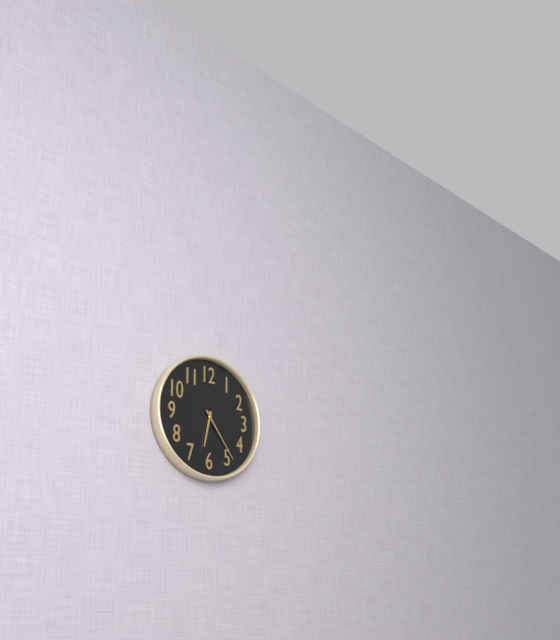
6,24
